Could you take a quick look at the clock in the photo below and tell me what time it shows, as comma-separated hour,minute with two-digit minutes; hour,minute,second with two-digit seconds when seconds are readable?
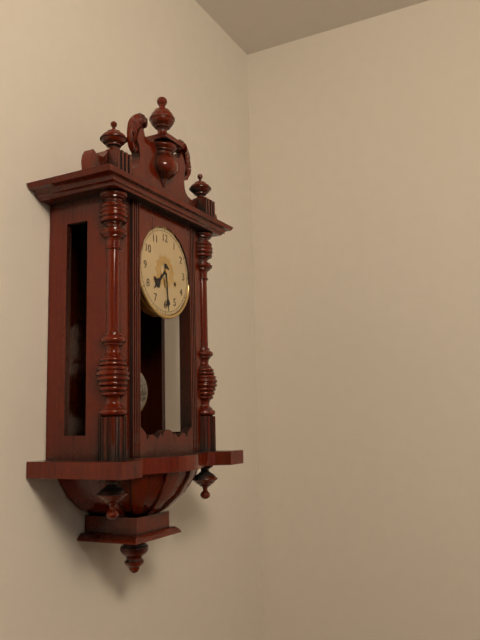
7,29
